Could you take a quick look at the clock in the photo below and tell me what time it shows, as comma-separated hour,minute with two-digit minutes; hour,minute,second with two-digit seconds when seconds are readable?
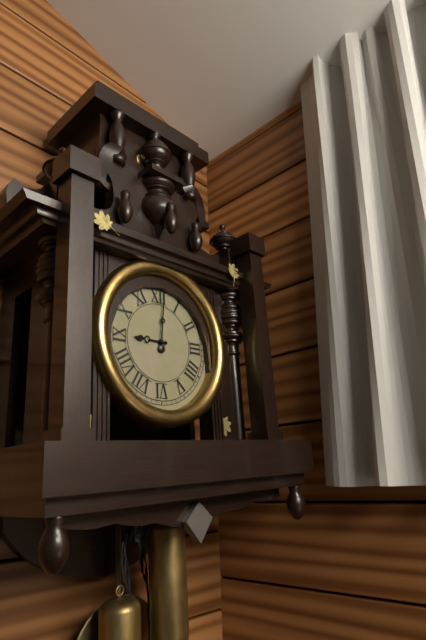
9,01
